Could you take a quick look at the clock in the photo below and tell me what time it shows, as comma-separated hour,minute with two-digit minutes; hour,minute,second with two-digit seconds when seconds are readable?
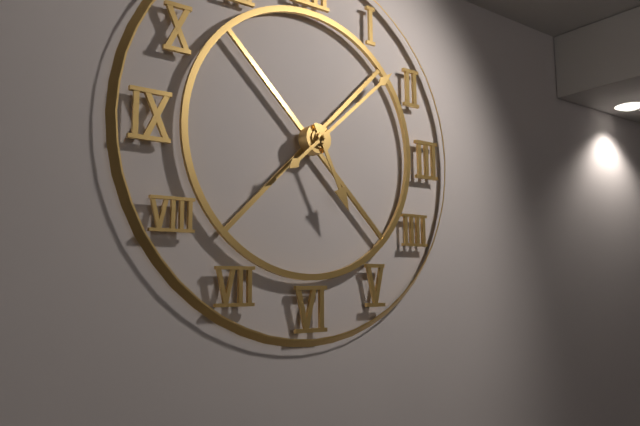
5,08
